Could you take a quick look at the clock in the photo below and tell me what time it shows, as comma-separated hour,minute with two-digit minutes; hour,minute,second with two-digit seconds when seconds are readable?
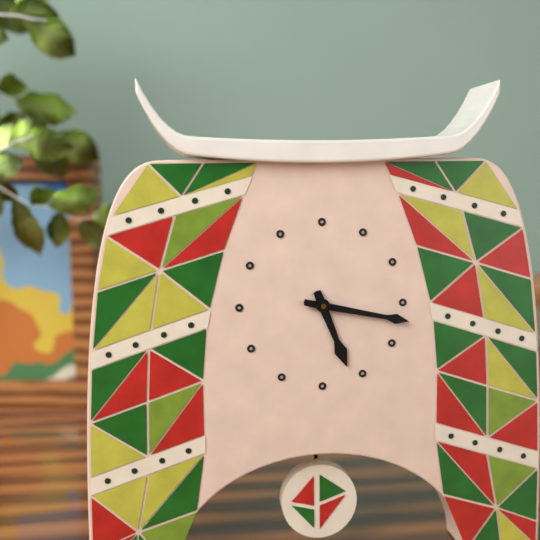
5,17
